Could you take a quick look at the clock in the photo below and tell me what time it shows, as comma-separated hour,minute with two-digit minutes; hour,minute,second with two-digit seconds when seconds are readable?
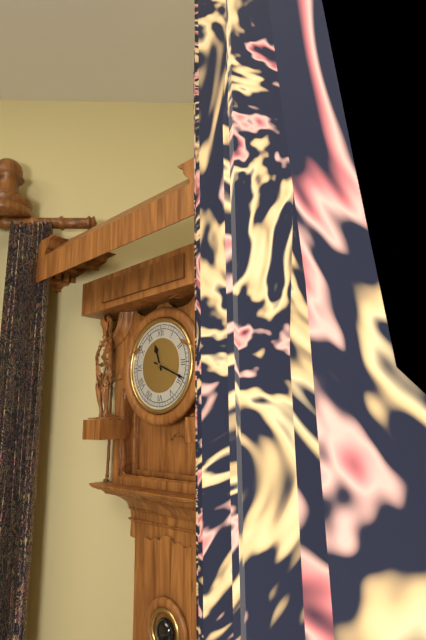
11,19
